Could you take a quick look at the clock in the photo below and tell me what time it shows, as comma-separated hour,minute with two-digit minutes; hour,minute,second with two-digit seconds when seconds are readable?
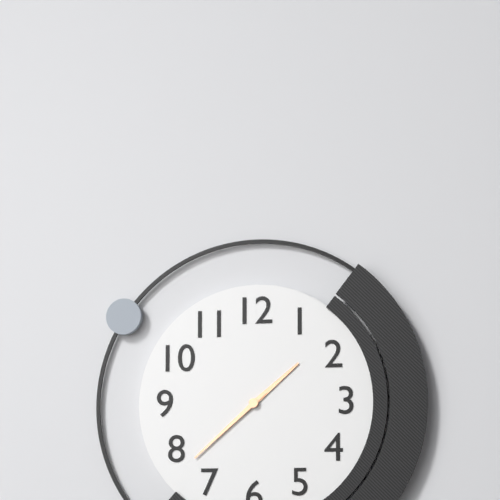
1,38
